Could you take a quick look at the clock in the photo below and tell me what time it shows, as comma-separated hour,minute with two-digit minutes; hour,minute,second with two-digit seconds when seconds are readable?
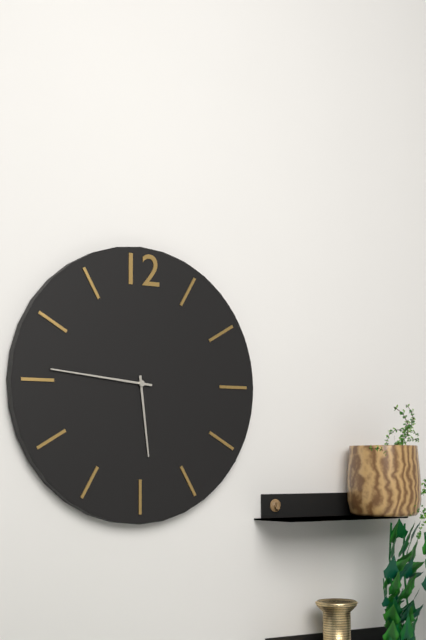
5,46
